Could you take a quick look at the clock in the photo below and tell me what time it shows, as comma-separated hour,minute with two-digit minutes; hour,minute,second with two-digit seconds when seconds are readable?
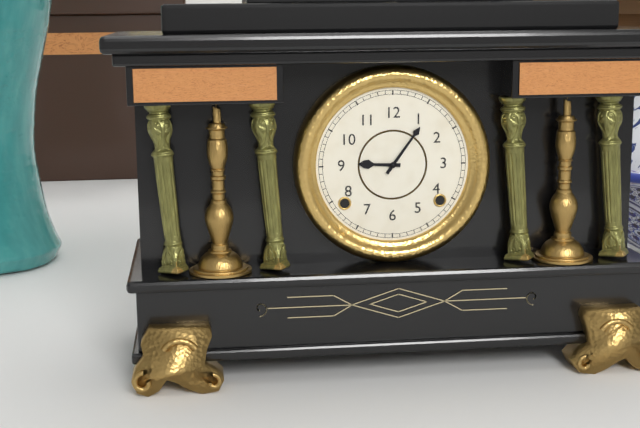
9,06
